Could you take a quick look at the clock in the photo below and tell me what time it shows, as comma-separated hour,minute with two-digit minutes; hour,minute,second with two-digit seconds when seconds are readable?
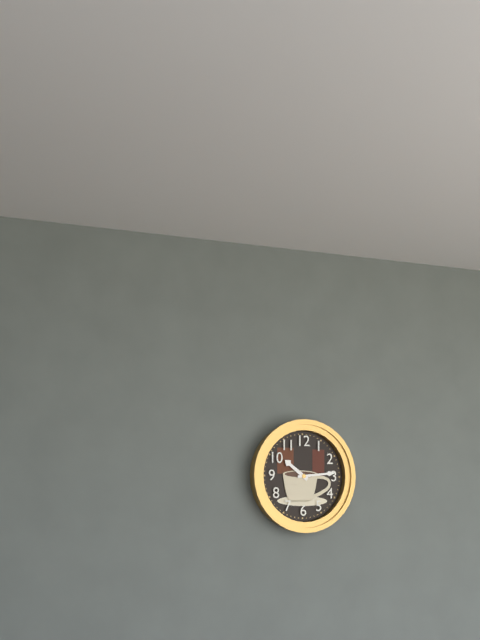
10,14
